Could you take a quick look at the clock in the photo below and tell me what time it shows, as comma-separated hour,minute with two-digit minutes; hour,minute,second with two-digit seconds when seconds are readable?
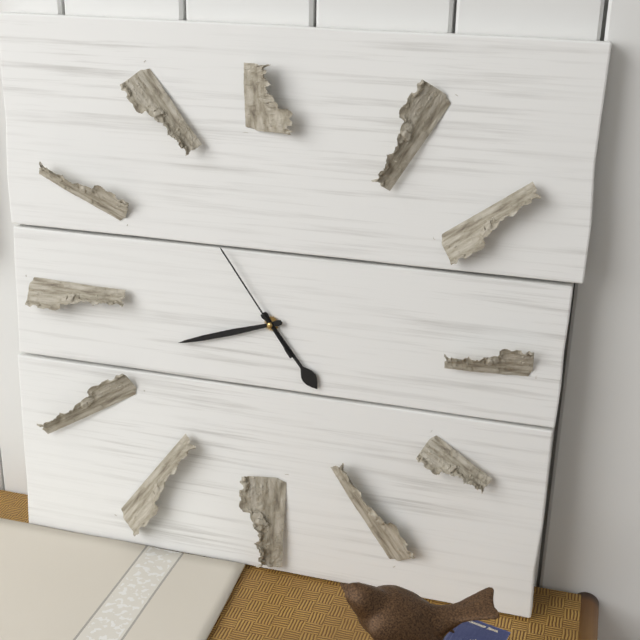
4,42,54
